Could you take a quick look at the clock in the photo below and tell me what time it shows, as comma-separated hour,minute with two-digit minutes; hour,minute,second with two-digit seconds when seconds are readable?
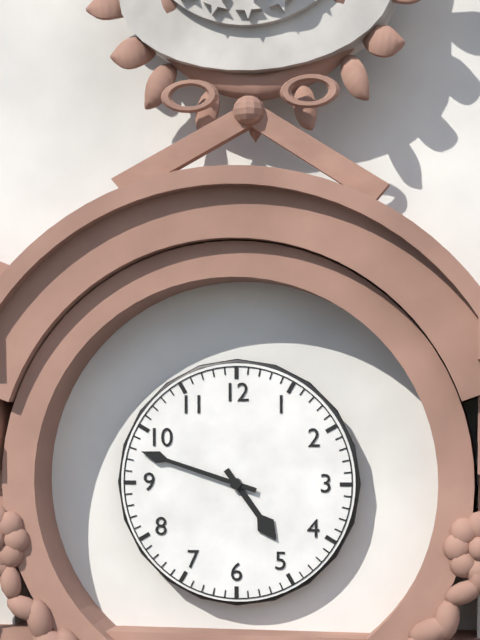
4,48
